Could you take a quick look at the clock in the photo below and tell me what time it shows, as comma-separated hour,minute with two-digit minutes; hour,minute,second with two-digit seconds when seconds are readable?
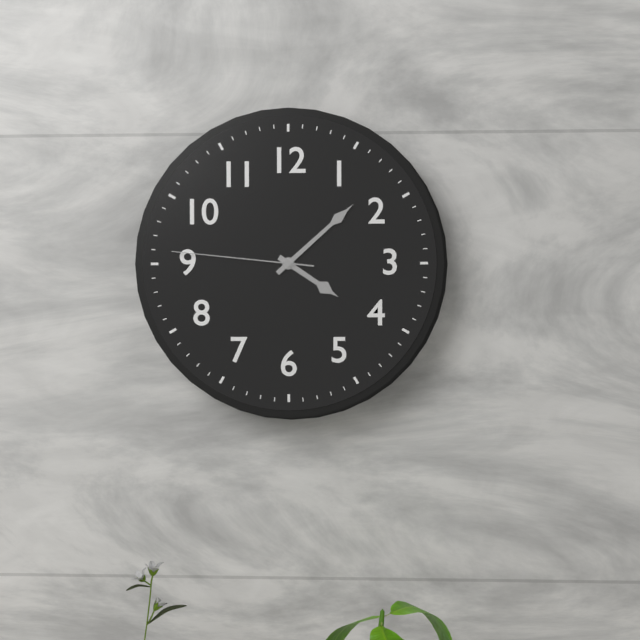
4,08,46
